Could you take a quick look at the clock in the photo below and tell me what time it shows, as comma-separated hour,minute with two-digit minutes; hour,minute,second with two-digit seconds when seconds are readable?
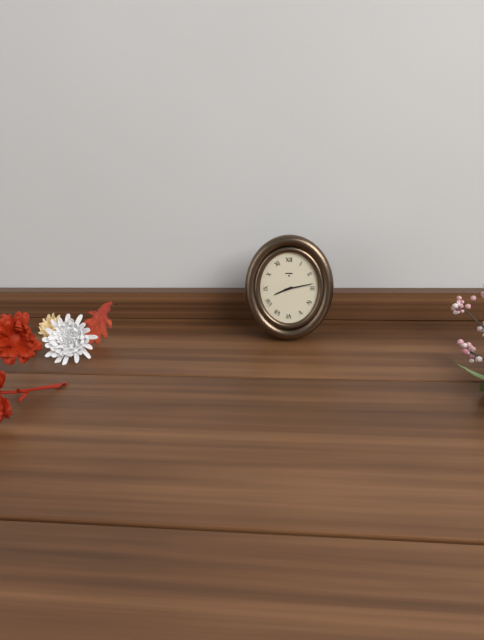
8,13
